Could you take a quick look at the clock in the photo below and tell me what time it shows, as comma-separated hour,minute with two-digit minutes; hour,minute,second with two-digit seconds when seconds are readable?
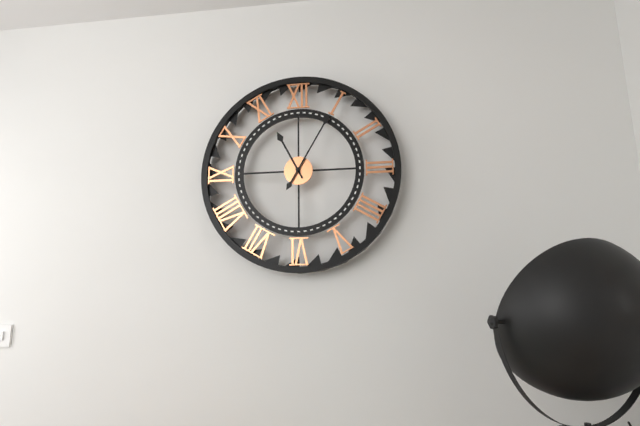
11,05
